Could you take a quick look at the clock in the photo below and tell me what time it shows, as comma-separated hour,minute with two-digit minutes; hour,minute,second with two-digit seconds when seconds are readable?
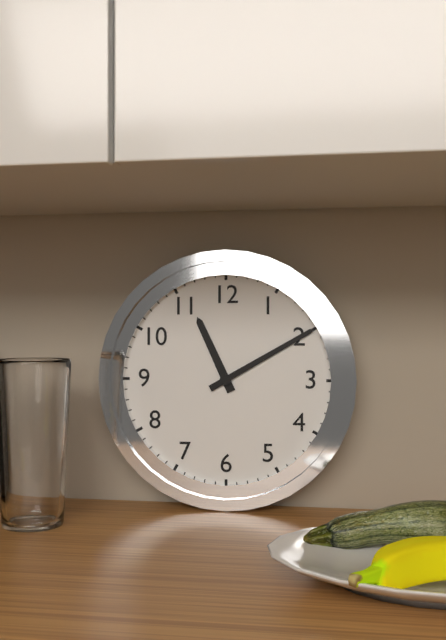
11,10
